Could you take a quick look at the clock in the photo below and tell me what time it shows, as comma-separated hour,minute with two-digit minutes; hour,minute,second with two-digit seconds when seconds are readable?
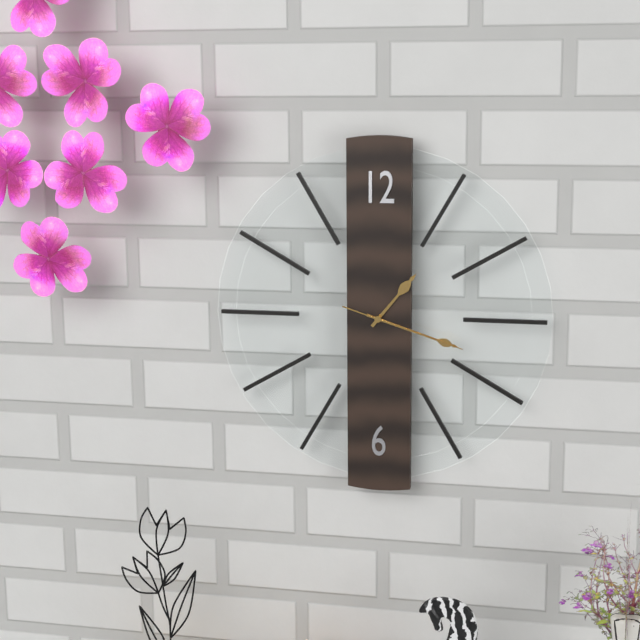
1,18,18
